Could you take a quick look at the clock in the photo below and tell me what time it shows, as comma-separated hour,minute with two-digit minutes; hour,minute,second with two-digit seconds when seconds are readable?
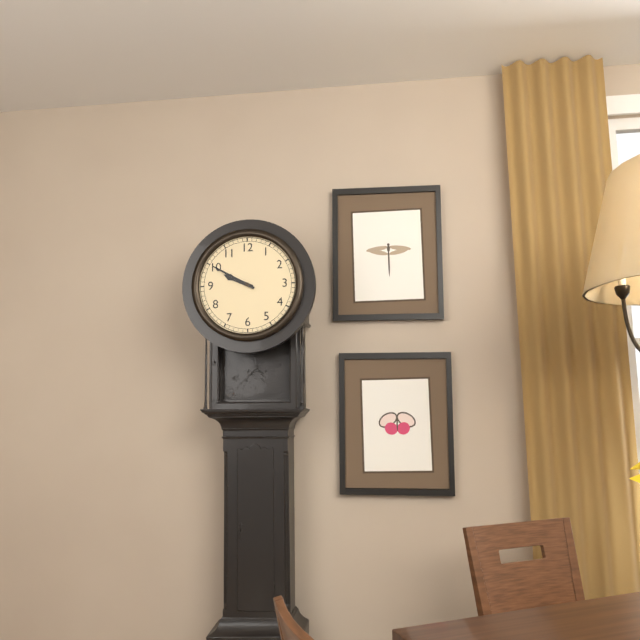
9,50
